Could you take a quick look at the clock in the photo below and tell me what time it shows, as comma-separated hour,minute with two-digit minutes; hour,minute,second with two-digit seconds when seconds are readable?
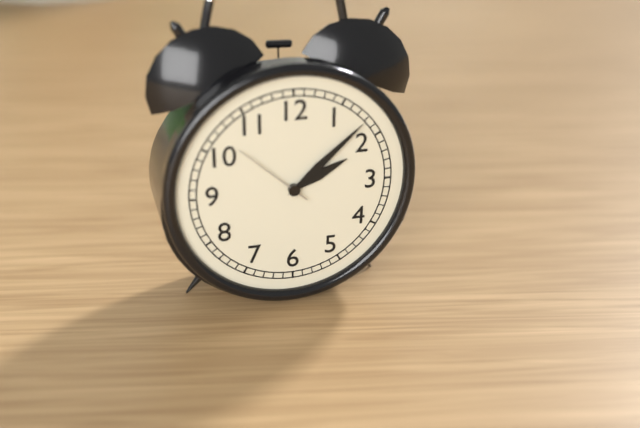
2,08,52
